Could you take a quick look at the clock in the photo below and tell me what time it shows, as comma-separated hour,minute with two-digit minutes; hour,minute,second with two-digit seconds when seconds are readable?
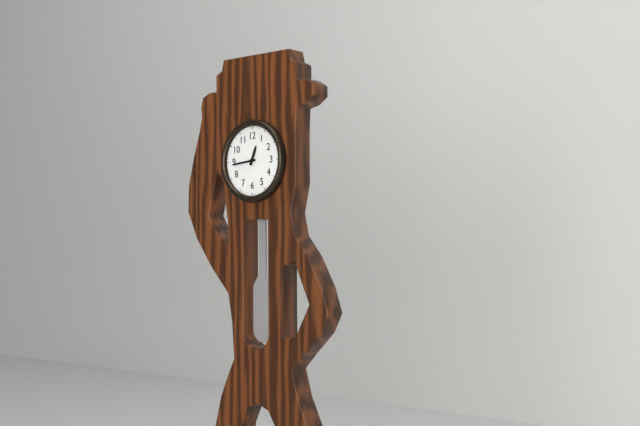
12,44
